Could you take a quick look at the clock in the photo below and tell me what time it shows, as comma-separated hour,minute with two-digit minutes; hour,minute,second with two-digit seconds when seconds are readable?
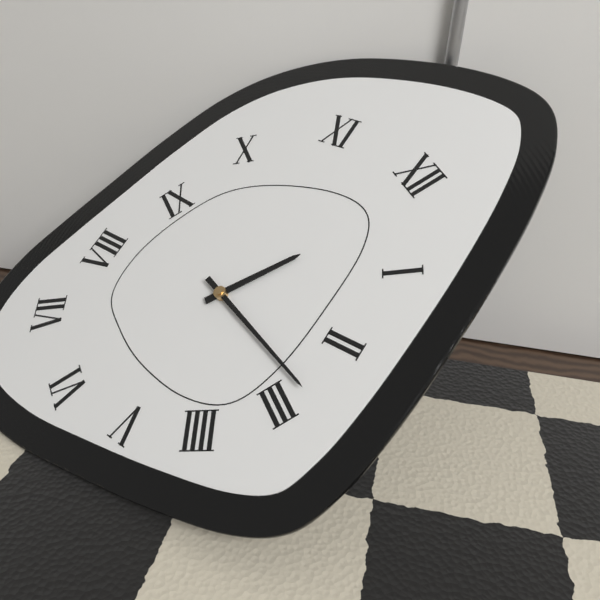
12,13
